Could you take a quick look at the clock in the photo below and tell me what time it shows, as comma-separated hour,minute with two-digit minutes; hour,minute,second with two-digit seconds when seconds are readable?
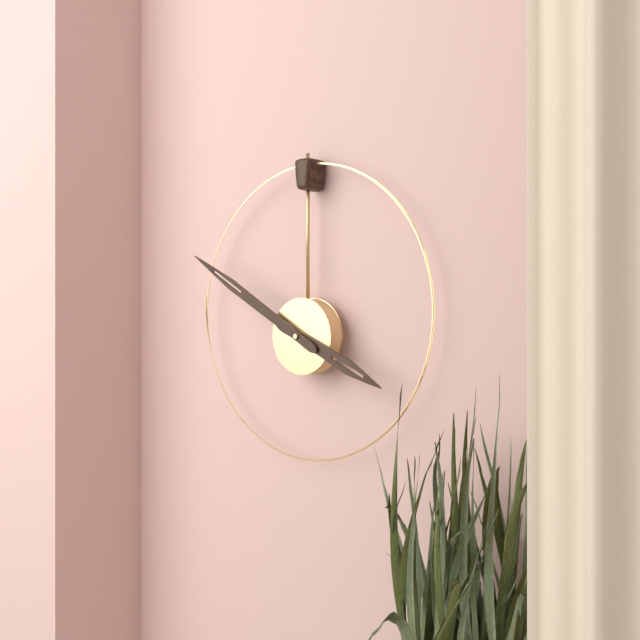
3,50
